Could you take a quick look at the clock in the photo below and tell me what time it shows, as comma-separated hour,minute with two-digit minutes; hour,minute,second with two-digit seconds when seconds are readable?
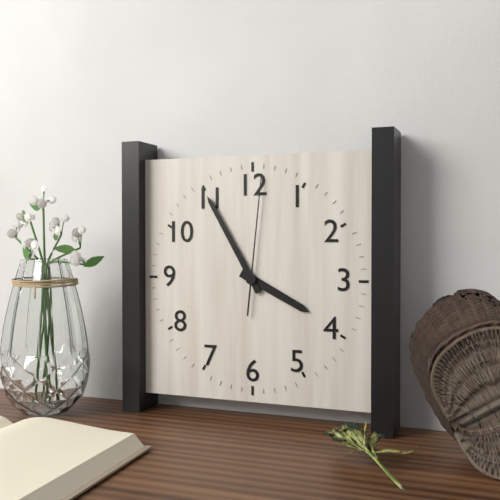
3,55,01
